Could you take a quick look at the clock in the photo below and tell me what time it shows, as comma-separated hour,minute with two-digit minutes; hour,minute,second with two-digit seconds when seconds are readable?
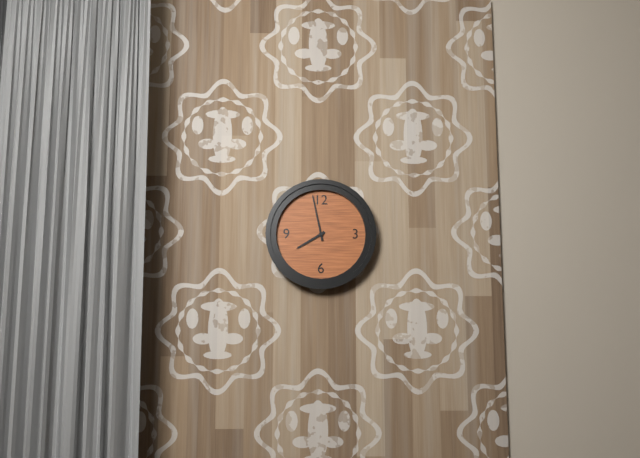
7,58
